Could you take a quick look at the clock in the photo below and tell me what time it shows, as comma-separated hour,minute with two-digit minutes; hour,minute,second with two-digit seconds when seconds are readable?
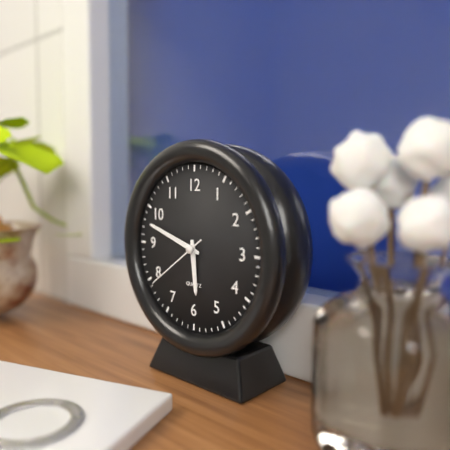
5,48,39
